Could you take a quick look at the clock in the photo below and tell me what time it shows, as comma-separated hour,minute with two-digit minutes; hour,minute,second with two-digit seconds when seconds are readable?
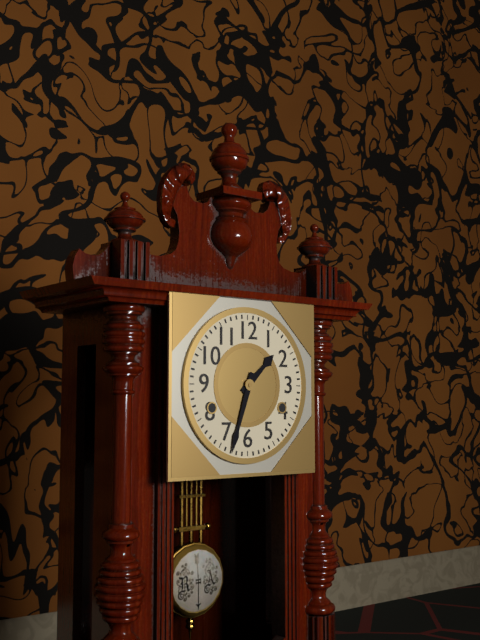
1,33
